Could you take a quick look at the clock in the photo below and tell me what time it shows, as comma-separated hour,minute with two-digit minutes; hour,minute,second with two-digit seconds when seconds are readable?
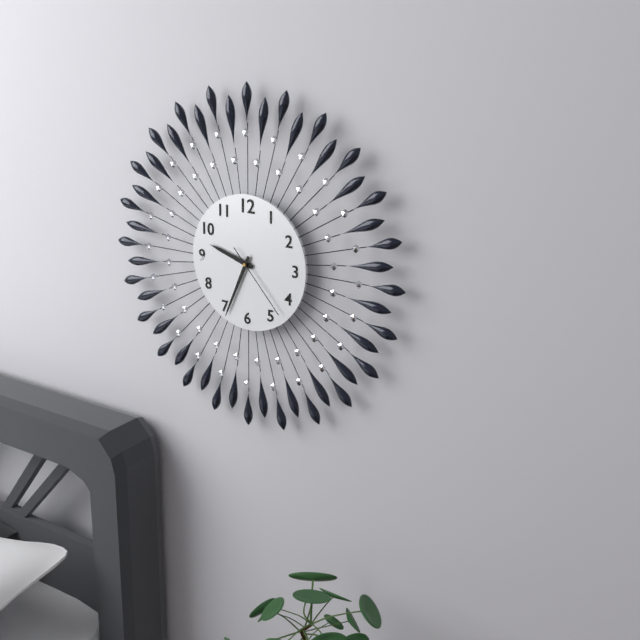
9,34,23
